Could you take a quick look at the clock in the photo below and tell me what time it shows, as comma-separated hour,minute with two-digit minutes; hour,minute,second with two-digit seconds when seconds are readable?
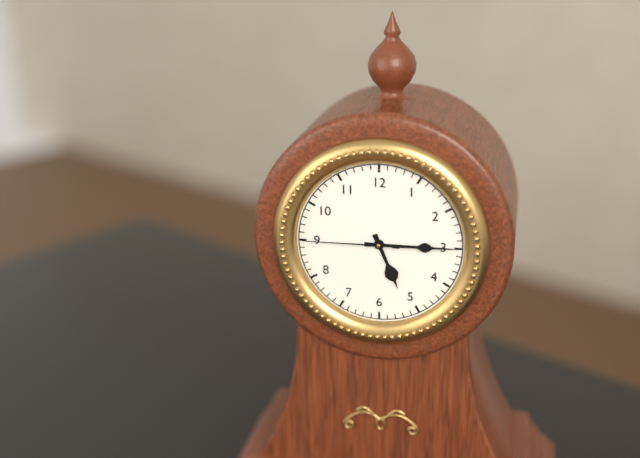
5,15,45
